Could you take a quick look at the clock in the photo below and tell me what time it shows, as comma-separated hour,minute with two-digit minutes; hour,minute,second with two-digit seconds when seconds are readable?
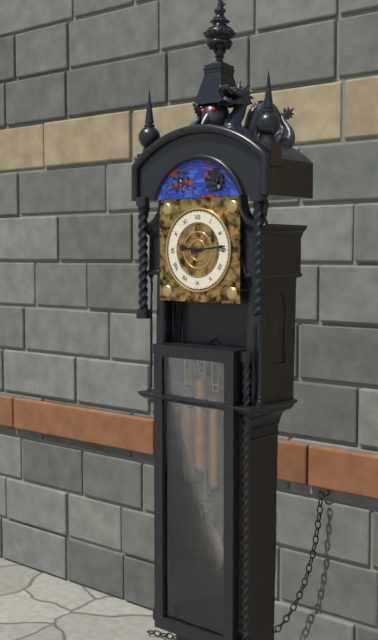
9,14
